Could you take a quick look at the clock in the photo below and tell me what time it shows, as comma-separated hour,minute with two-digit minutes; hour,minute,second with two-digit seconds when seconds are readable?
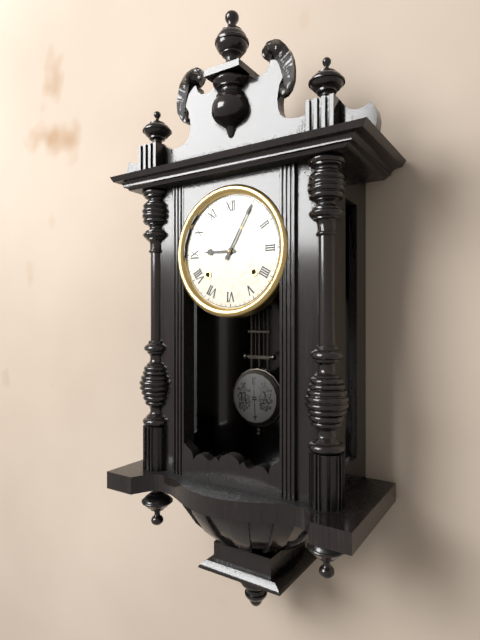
9,05
